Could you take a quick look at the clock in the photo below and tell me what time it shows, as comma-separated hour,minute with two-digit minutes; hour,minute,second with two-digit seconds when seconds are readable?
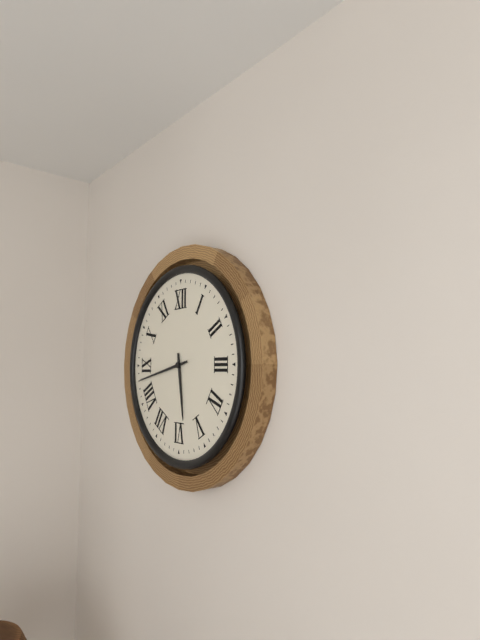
5,43
